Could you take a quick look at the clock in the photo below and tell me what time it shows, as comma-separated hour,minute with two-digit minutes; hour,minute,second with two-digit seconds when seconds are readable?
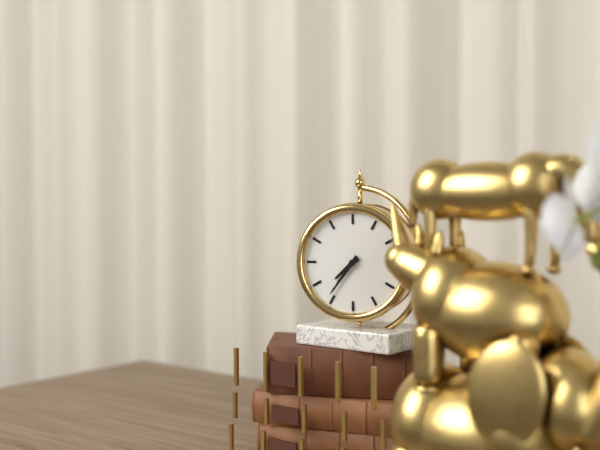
7,36
